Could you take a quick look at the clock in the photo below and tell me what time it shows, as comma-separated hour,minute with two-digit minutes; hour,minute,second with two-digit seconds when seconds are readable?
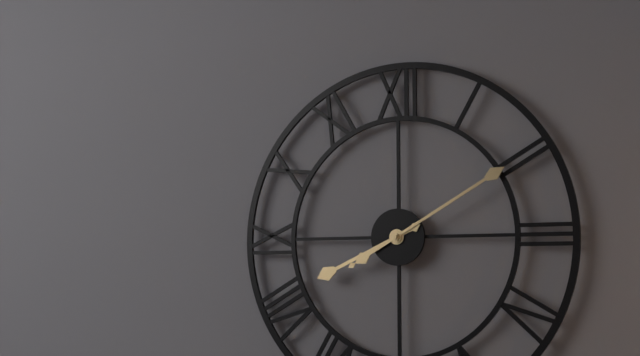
8,10
